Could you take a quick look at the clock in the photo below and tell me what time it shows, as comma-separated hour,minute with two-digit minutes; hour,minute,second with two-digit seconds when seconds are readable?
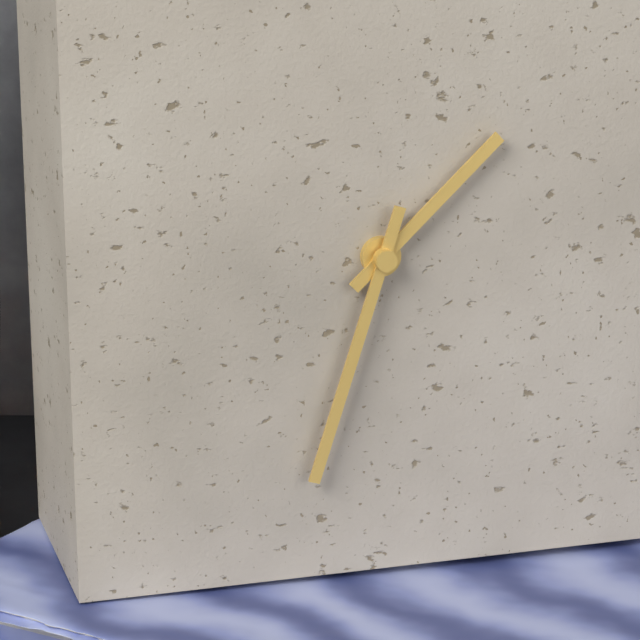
1,33
